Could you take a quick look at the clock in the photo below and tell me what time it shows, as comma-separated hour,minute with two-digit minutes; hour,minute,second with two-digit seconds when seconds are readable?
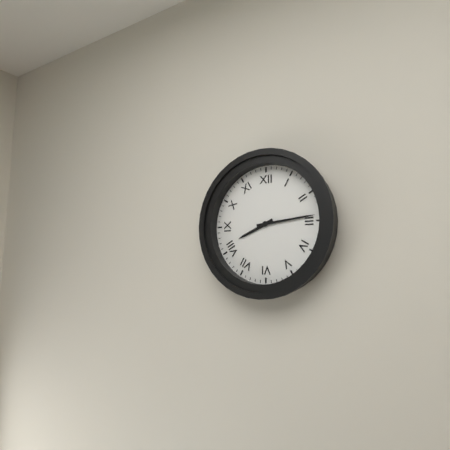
8,14
